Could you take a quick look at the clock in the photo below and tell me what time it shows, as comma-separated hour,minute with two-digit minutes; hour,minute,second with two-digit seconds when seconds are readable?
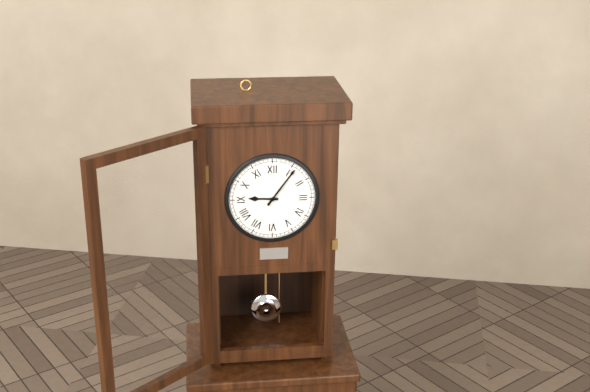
9,06
